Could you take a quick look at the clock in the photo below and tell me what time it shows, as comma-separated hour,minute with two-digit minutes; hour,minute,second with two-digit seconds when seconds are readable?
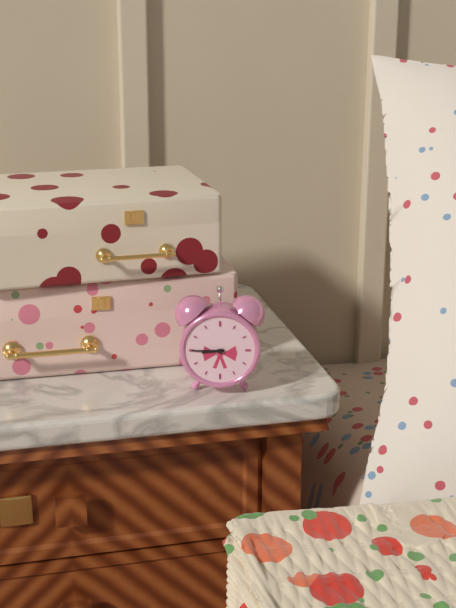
8,45
